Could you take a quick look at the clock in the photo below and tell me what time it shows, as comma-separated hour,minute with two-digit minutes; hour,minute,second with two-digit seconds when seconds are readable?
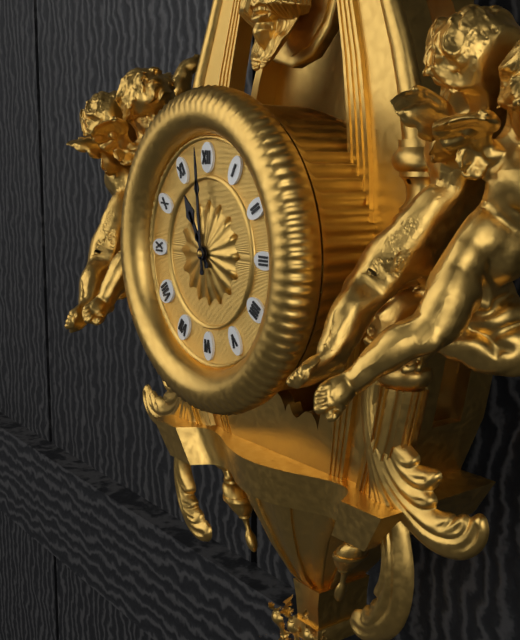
10,59
